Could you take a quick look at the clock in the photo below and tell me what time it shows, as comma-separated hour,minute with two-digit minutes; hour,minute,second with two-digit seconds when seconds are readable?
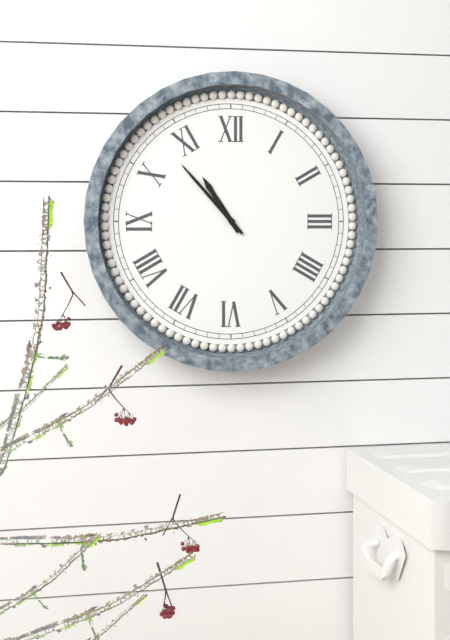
10,53
